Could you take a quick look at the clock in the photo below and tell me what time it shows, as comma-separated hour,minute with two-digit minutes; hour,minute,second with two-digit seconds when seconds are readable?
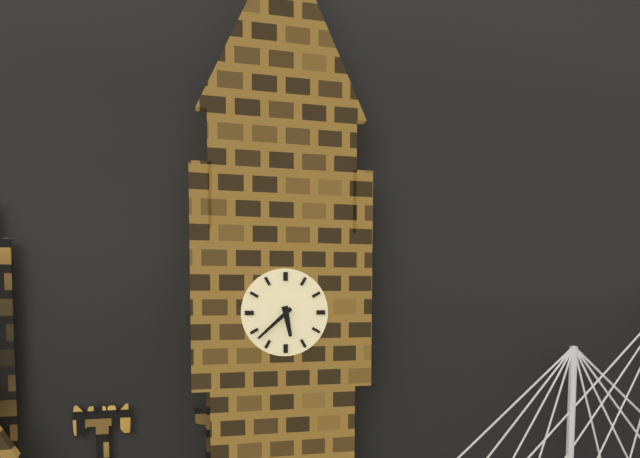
5,38
